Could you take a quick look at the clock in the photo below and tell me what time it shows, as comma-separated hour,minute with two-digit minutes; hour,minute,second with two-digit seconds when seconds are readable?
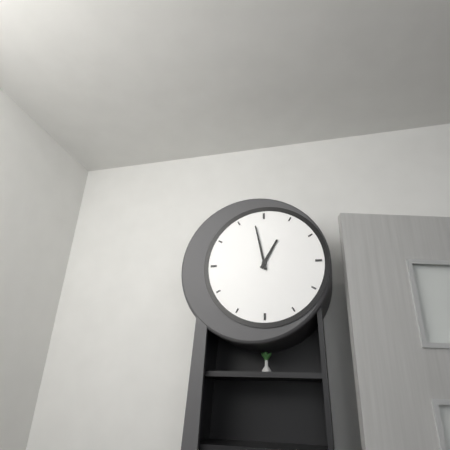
12,58
